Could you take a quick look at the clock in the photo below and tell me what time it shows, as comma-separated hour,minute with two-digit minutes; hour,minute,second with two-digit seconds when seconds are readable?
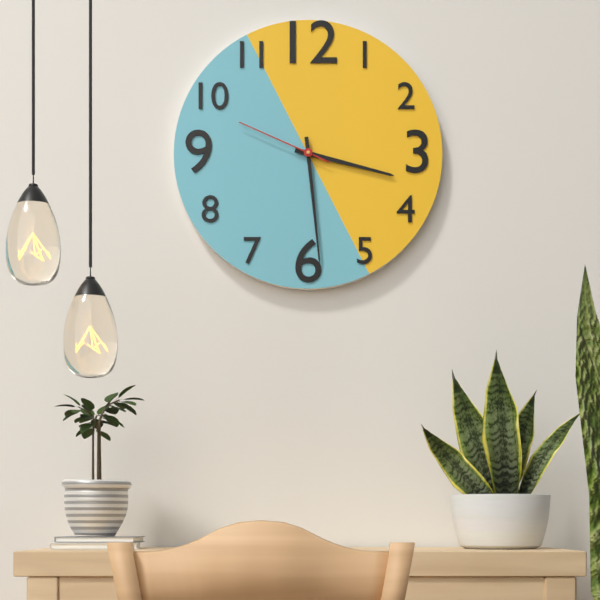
3,29,49
